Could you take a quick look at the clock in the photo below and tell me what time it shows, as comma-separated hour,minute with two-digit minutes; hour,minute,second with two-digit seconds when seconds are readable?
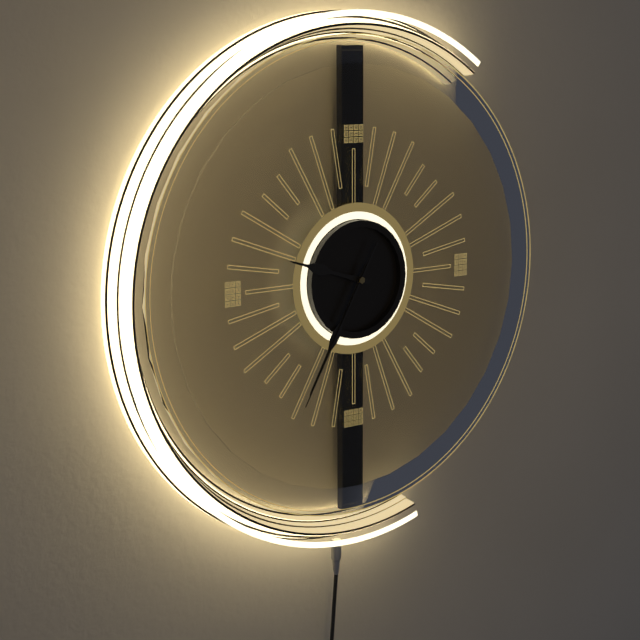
9,35,35
